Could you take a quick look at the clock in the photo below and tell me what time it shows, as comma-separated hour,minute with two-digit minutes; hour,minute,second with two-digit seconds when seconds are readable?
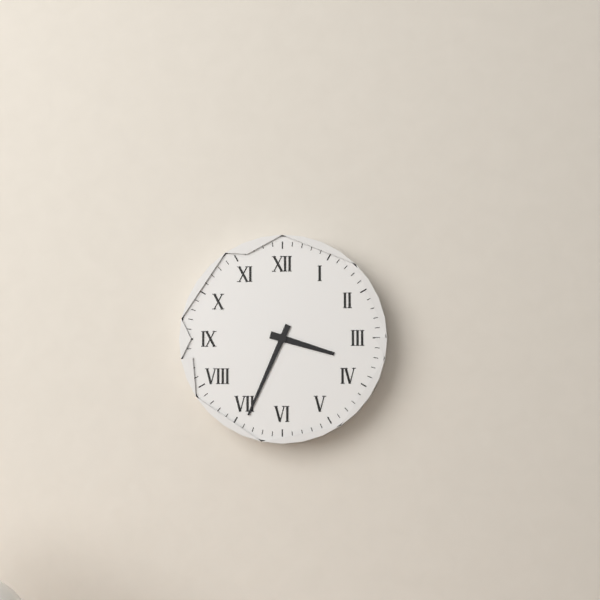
3,34
